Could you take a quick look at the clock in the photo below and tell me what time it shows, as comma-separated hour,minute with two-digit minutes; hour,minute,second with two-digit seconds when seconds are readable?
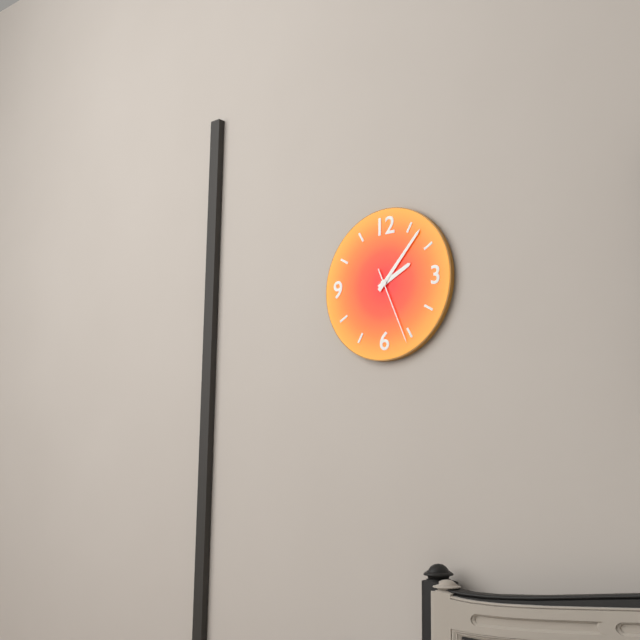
2,07,26
